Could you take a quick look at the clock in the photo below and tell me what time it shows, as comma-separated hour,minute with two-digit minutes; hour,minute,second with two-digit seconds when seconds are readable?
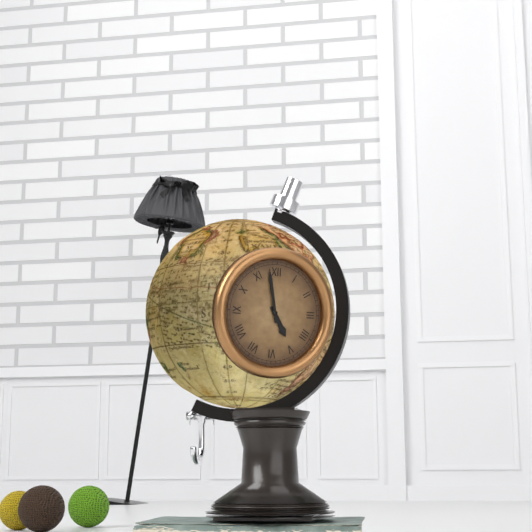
4,58
